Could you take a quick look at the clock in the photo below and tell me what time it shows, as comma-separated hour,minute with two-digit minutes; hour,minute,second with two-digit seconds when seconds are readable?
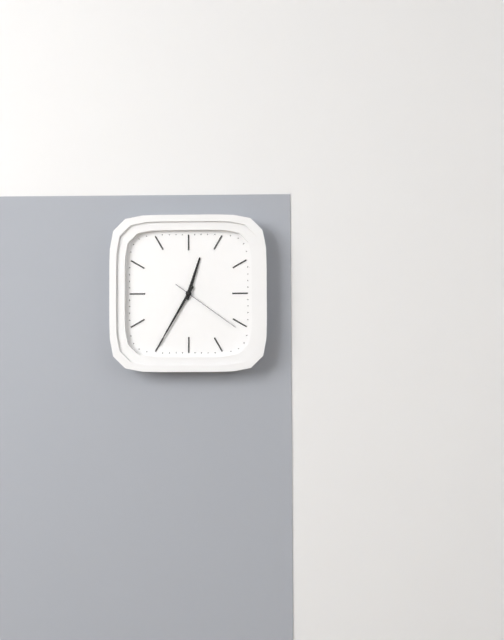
12,35,21
